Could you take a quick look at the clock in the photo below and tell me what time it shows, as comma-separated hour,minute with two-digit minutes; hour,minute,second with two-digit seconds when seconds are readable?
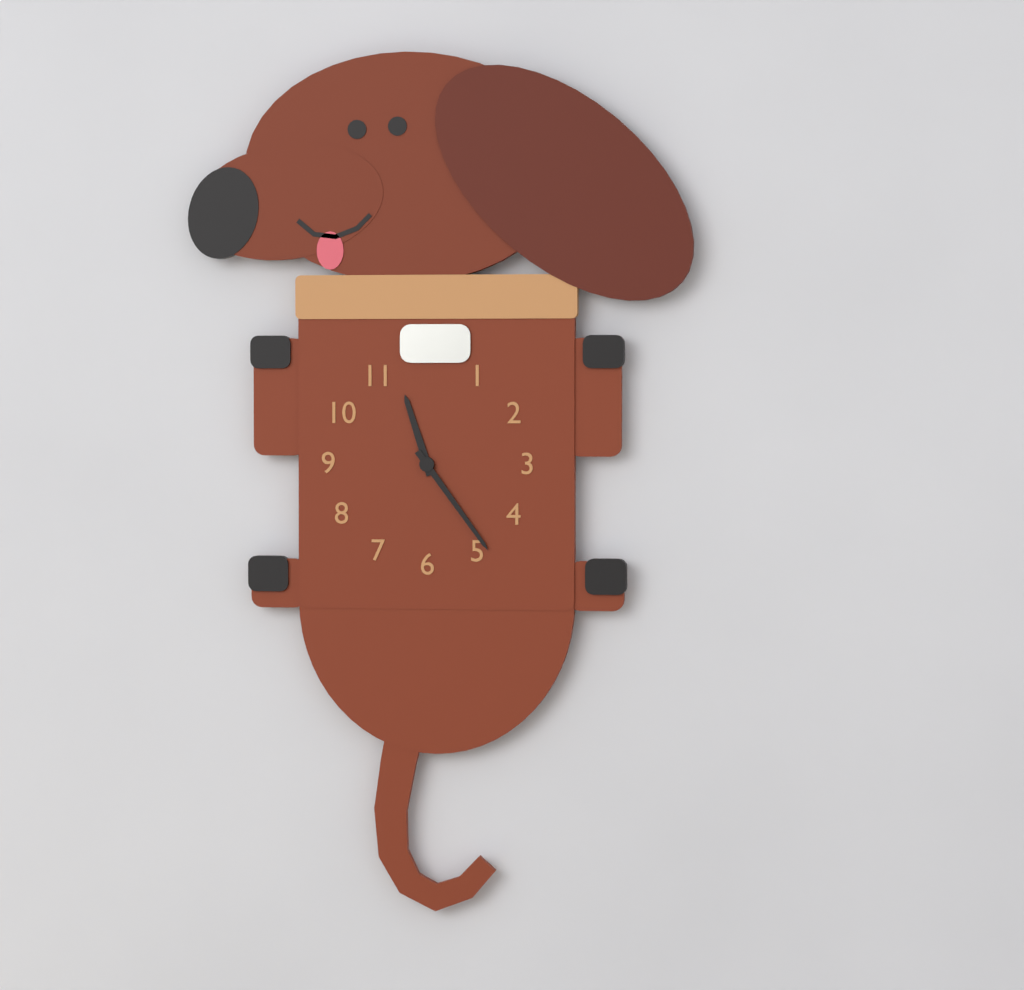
11,24
